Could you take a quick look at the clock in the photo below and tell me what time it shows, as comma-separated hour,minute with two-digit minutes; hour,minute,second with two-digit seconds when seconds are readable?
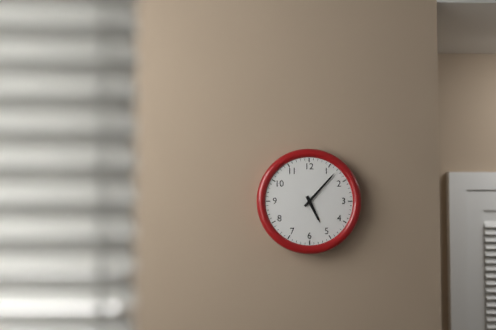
5,07
